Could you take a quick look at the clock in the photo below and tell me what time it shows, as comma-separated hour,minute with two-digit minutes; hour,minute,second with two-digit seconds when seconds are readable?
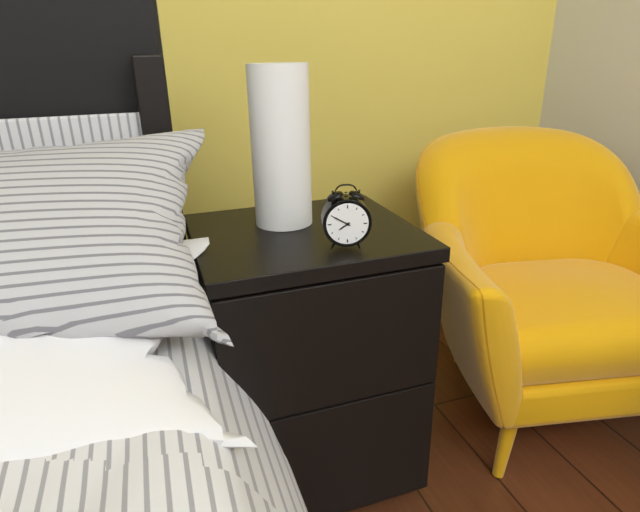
7,50
